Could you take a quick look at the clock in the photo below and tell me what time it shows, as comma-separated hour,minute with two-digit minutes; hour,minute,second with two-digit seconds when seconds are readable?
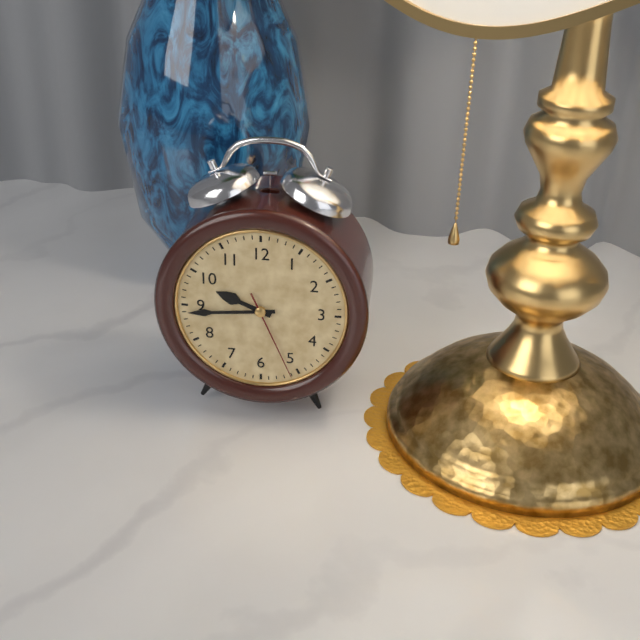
9,44,26
